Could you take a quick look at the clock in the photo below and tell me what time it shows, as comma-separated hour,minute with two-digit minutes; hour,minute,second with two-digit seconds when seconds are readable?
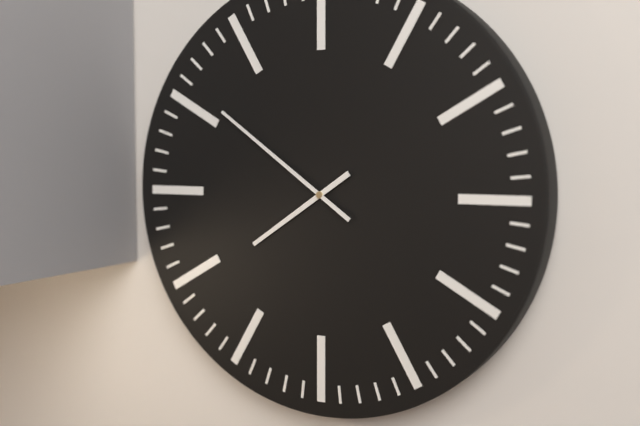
7,51
